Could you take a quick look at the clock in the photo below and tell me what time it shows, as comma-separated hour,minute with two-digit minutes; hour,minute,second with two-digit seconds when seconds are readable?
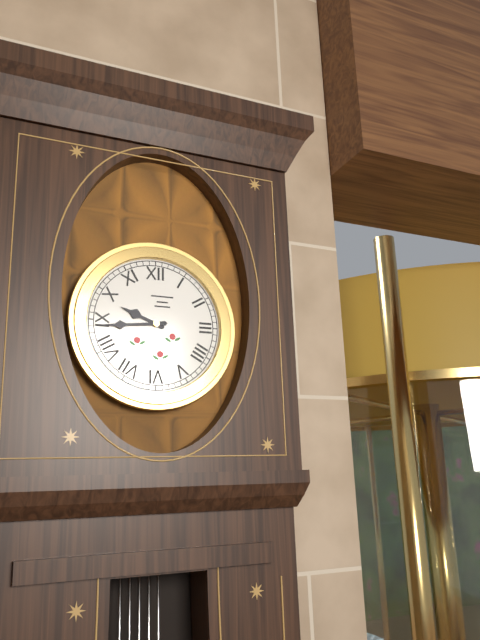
9,44
